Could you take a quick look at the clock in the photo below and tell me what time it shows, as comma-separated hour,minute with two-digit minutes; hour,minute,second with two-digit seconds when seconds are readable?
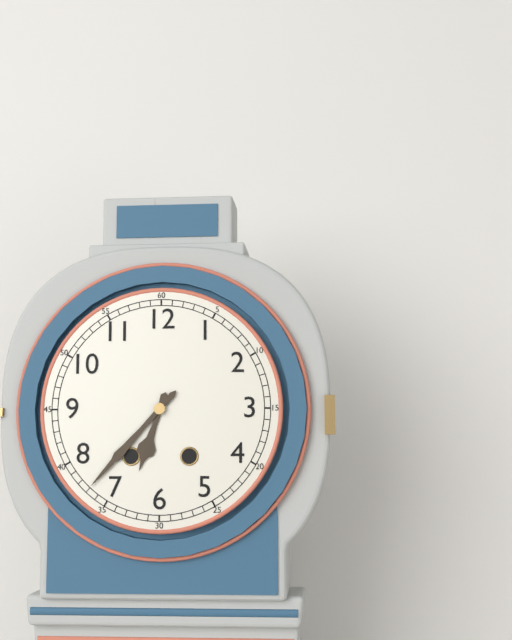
6,37
